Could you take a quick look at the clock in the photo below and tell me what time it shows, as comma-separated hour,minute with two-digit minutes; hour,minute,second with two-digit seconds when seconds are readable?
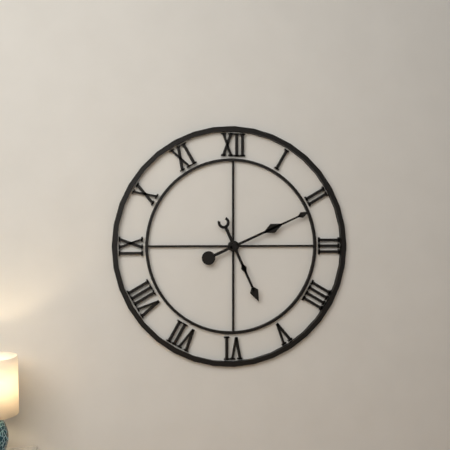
5,11
